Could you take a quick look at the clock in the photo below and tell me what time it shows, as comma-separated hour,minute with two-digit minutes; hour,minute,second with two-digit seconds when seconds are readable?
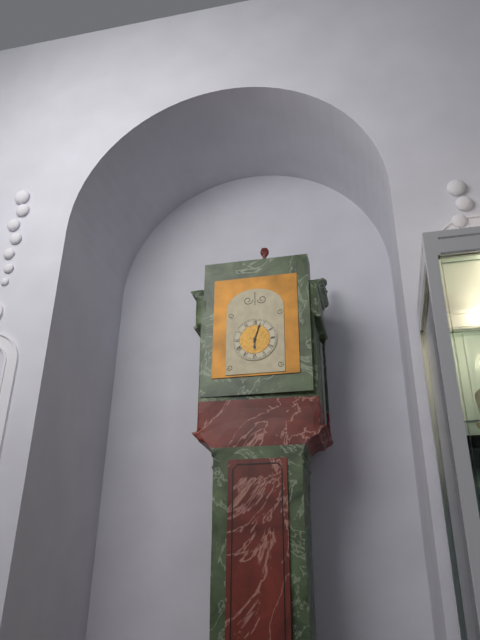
6,03
